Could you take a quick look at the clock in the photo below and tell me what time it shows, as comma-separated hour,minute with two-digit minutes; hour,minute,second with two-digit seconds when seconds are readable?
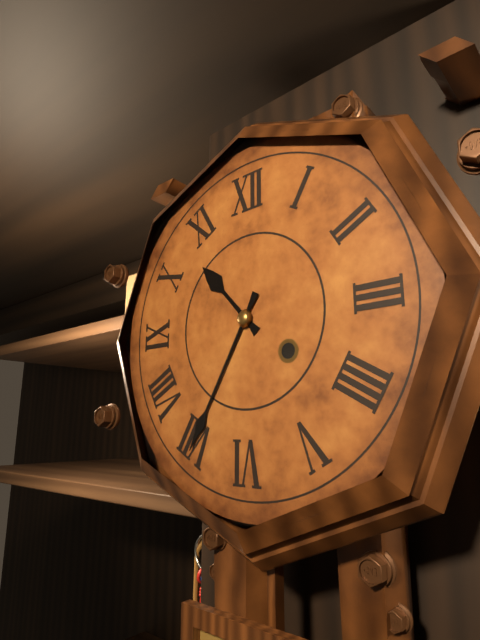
10,35
